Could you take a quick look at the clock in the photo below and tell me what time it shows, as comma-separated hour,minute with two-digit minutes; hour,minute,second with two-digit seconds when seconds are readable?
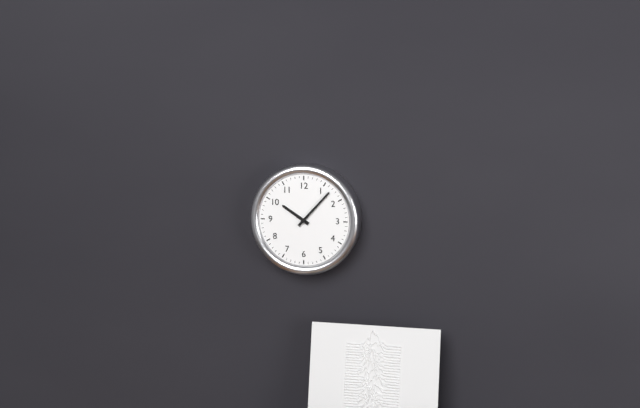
10,07
